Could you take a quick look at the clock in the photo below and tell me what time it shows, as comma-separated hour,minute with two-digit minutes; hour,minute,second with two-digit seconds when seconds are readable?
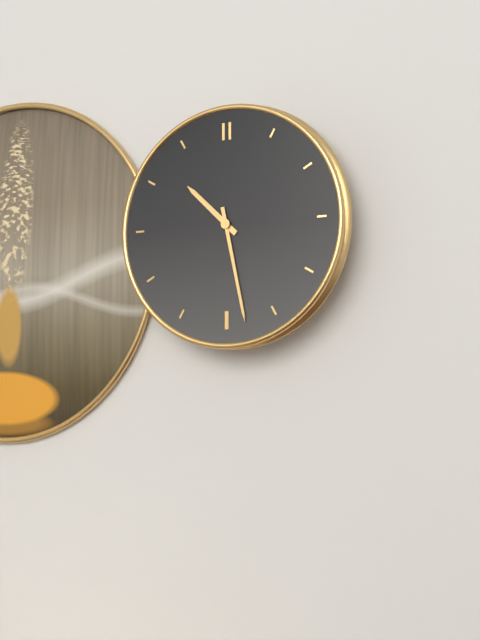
10,28
